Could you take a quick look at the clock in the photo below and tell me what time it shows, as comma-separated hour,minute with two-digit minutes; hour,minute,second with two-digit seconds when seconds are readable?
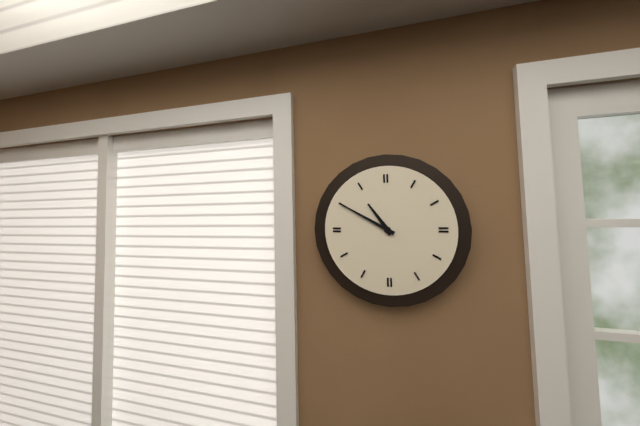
10,50
